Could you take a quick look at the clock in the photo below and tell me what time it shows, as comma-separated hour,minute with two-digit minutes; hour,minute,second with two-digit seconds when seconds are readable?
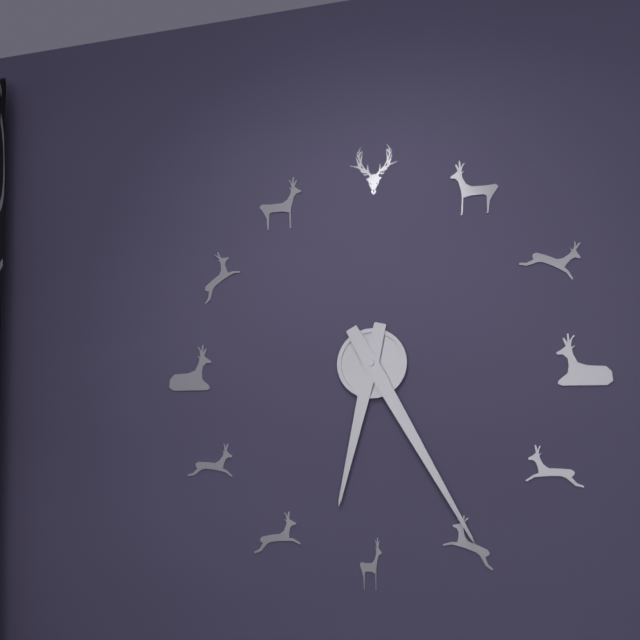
6,25
